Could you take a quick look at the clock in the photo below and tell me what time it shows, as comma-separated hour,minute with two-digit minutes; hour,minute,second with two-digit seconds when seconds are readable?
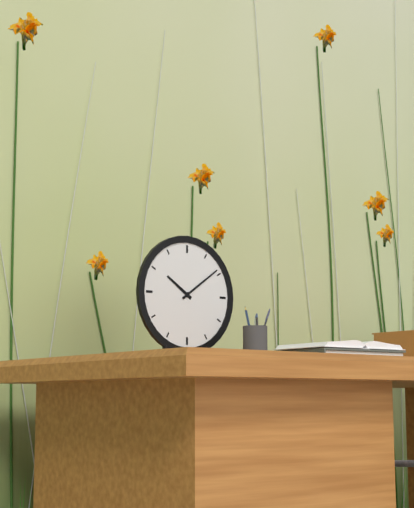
10,09
